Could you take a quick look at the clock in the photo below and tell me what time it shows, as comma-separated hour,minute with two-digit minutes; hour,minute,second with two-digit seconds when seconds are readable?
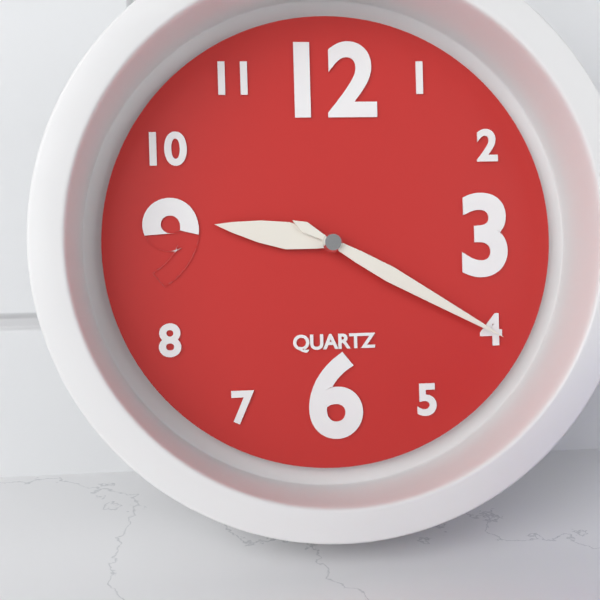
9,20
